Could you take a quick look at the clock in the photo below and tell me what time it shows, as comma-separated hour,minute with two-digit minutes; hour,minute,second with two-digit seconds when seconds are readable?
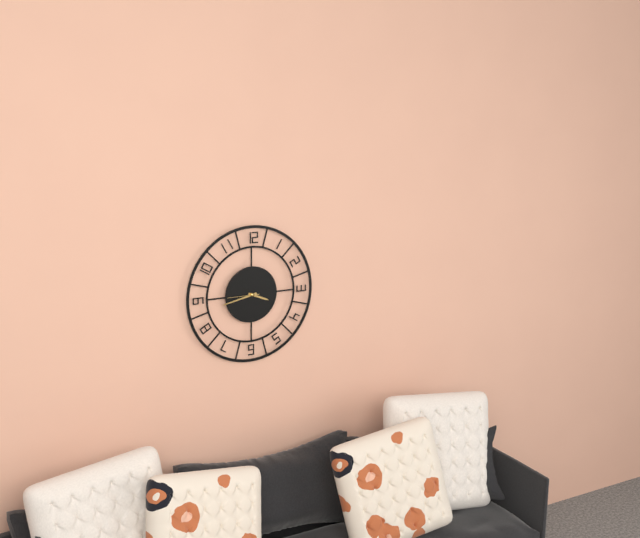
3,43
